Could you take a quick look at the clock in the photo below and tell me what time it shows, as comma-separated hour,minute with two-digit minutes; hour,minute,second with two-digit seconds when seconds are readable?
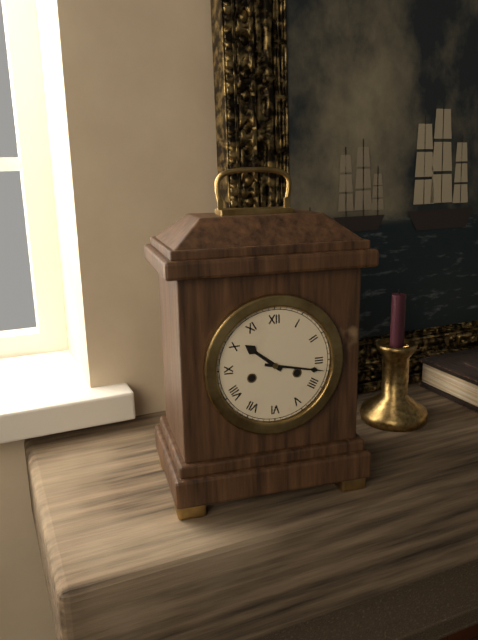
10,17
